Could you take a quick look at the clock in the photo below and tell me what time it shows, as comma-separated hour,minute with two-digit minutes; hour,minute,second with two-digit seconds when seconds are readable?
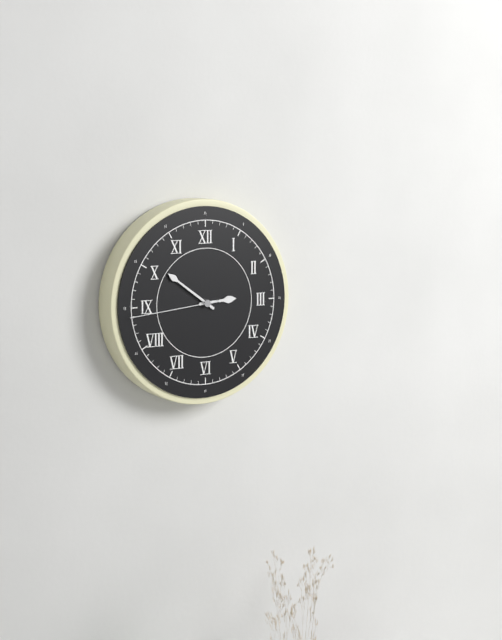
2,51,44
